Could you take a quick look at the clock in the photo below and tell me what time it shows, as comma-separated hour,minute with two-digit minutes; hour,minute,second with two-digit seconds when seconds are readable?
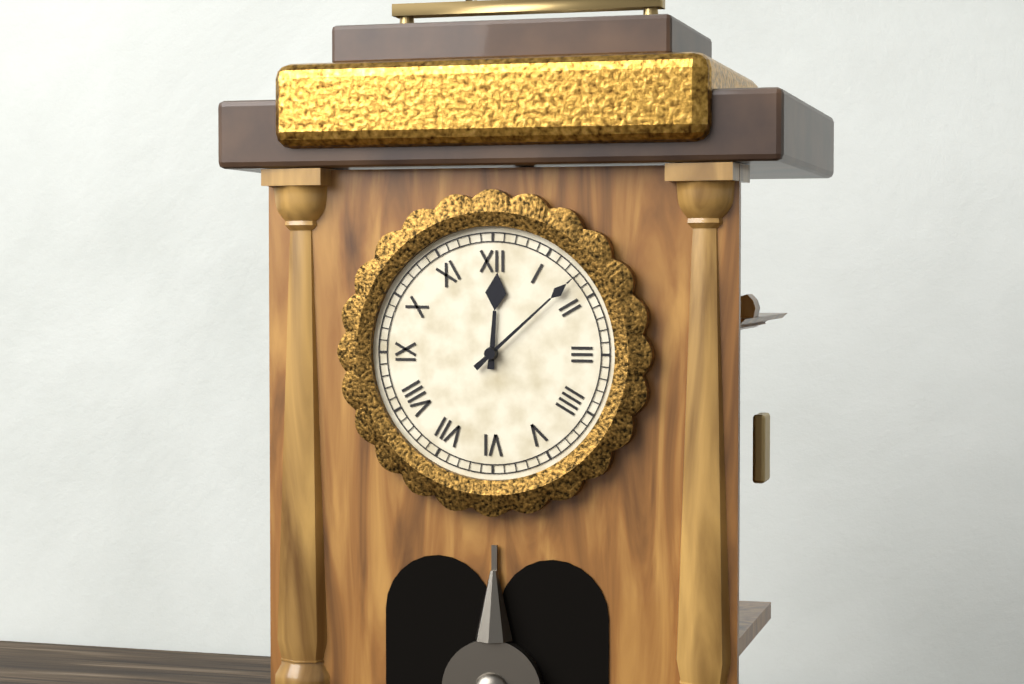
12,08
